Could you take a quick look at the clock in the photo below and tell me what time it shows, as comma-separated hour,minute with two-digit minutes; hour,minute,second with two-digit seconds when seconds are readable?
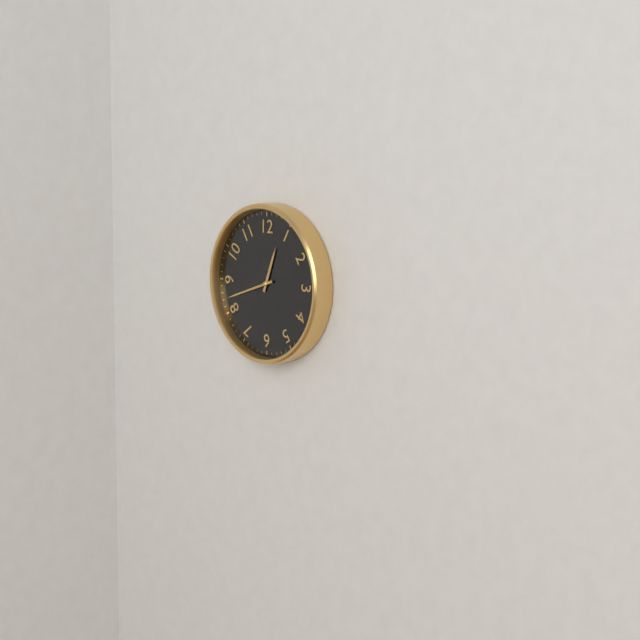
12,42
